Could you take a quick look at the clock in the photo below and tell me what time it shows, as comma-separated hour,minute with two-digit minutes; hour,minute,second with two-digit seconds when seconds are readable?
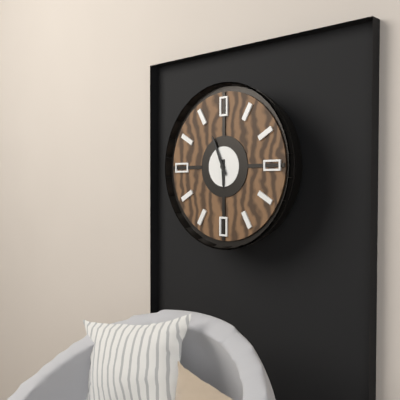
5,56
